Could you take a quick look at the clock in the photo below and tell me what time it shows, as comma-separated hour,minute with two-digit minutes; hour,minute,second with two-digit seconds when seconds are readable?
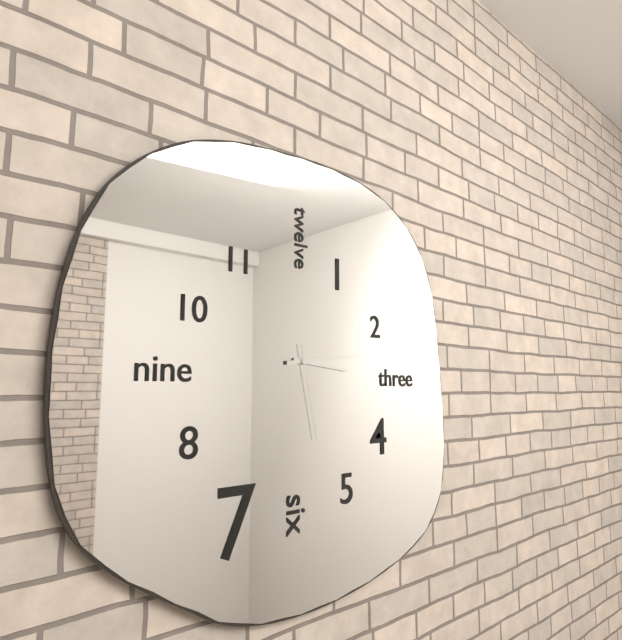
3,14,28
